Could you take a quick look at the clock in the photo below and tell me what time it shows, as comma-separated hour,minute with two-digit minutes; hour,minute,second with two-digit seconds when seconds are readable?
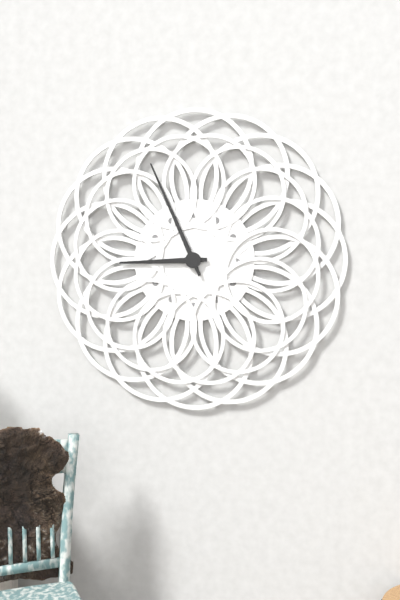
8,56
